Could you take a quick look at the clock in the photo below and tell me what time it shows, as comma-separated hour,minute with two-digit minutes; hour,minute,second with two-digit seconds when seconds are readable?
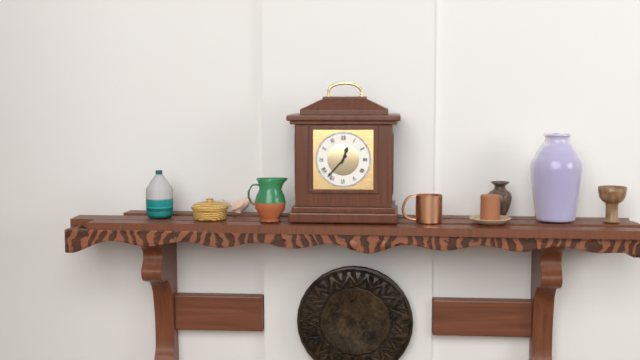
12,37
